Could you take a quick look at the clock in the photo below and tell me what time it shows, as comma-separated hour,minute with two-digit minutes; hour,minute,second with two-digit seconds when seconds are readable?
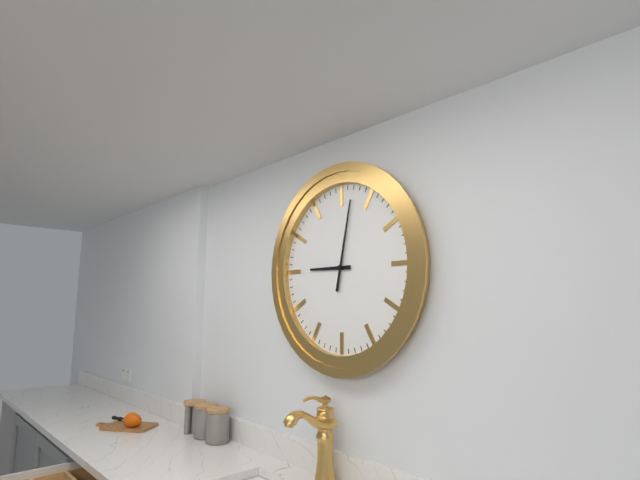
9,02
